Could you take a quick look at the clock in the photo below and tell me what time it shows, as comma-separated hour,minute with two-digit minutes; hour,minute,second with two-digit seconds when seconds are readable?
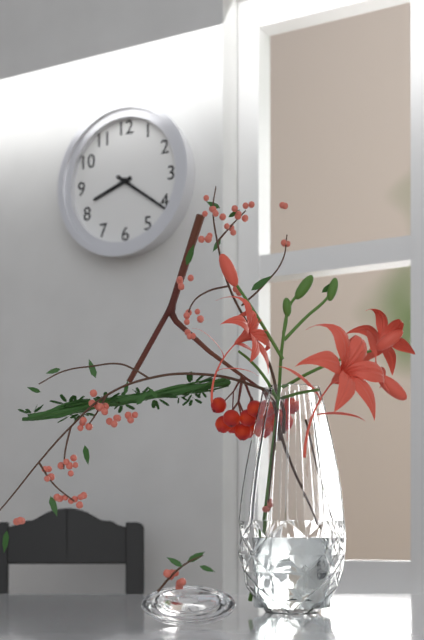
8,21
